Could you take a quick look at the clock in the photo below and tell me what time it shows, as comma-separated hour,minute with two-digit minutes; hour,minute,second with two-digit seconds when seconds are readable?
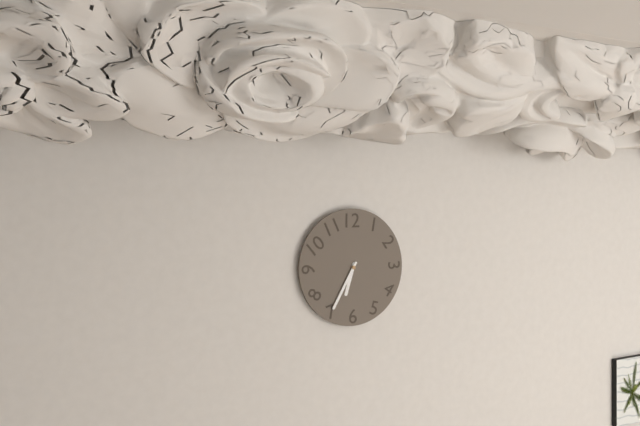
6,35
